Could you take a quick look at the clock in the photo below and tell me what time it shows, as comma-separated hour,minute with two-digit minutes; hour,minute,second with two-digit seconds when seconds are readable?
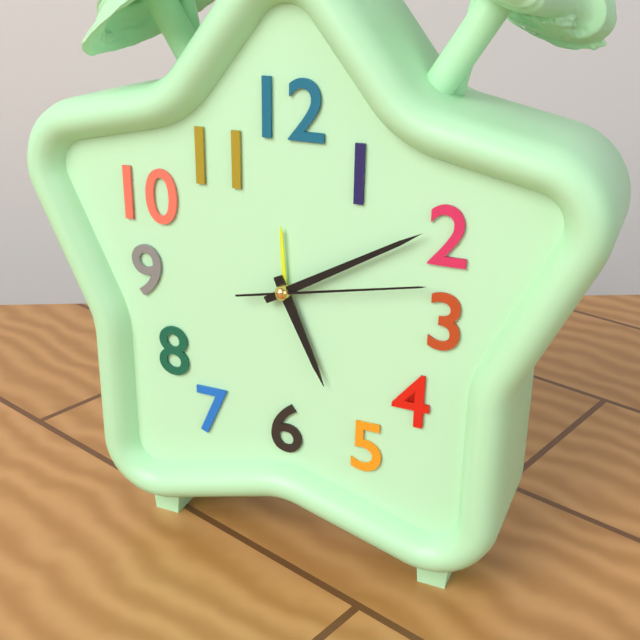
5,10,13
